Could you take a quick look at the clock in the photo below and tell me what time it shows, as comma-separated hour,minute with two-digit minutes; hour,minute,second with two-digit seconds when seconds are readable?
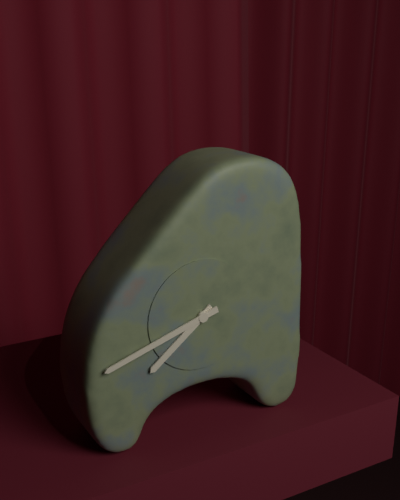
7,42
